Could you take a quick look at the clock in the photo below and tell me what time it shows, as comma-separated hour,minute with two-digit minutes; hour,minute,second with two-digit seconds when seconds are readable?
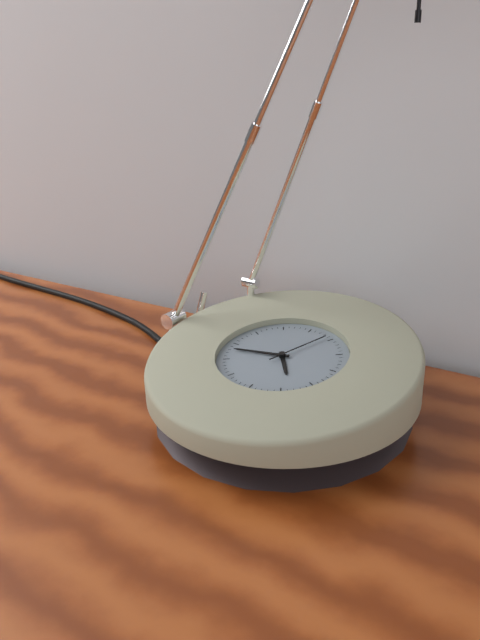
4,43,04
